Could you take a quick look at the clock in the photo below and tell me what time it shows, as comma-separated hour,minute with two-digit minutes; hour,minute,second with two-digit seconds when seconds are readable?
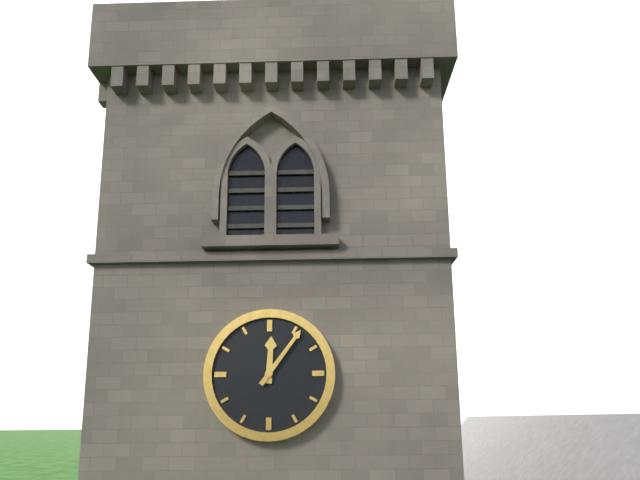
12,06
